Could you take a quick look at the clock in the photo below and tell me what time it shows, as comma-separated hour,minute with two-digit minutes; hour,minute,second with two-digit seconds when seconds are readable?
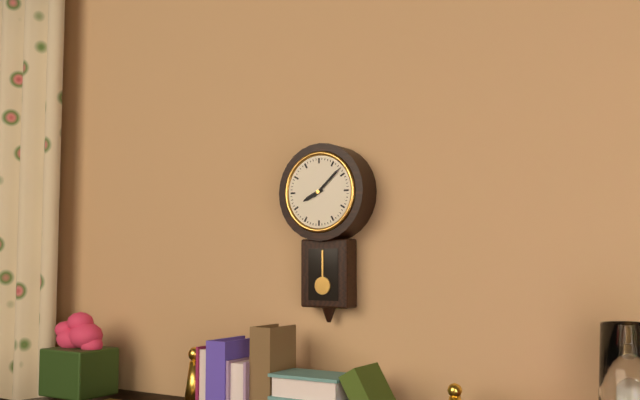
8,08
